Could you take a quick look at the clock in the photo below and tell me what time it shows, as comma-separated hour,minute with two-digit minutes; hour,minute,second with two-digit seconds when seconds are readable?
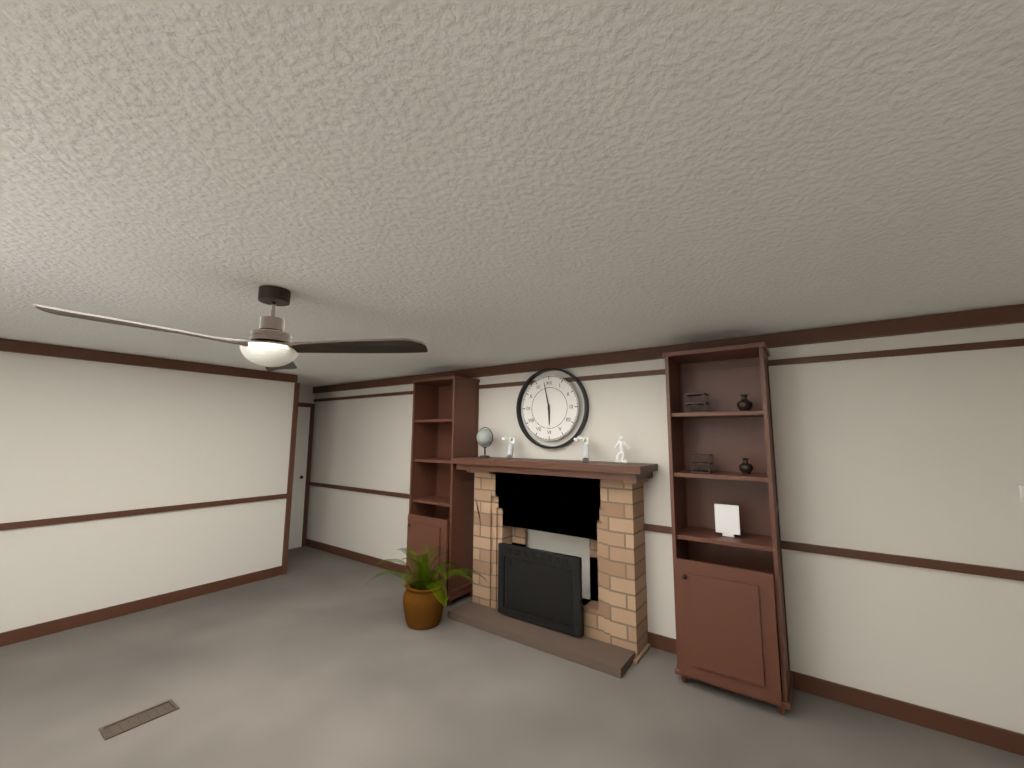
5,58
